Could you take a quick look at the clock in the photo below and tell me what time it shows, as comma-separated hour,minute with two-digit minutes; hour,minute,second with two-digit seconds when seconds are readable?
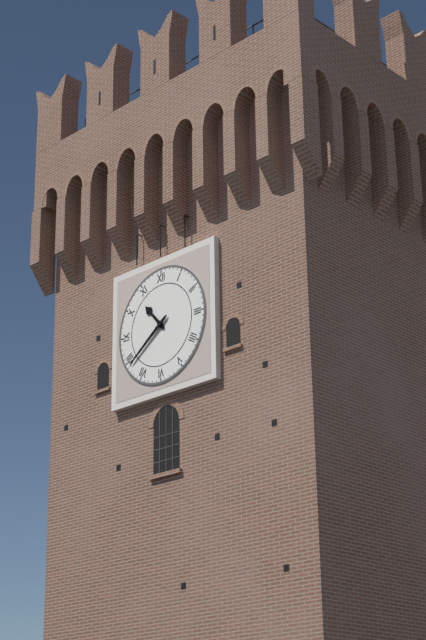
10,39
